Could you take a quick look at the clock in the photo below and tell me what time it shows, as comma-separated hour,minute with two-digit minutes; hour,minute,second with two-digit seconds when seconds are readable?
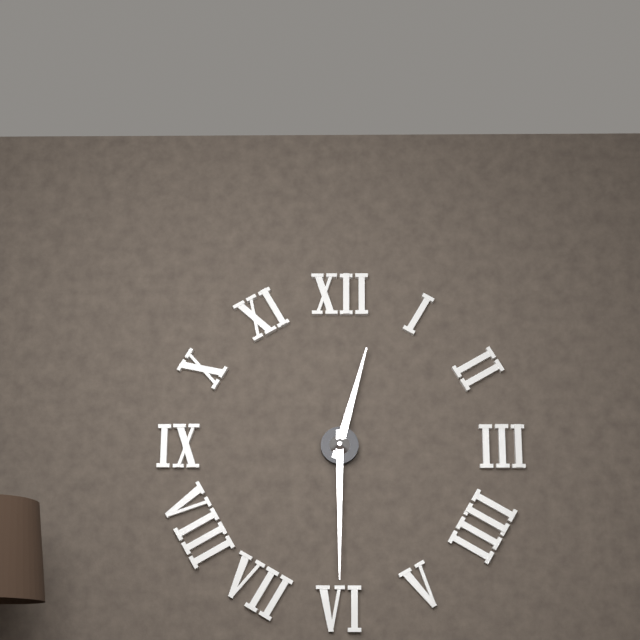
12,30
